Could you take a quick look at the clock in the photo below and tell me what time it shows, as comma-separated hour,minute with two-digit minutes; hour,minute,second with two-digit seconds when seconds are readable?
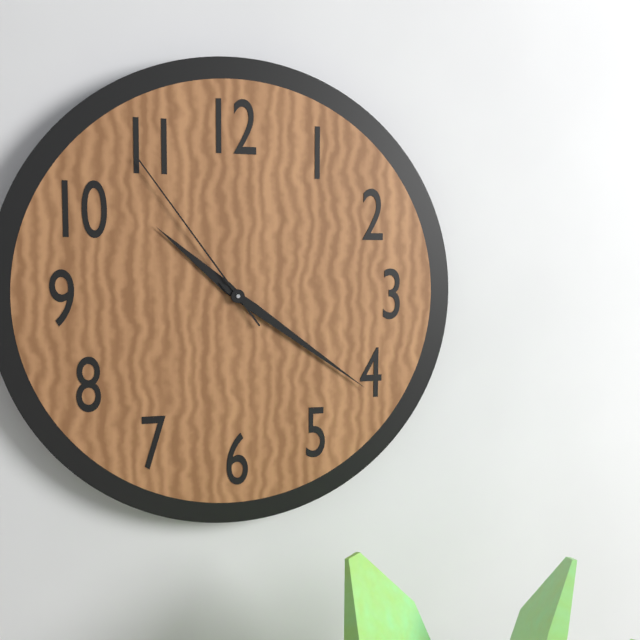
10,21,54
